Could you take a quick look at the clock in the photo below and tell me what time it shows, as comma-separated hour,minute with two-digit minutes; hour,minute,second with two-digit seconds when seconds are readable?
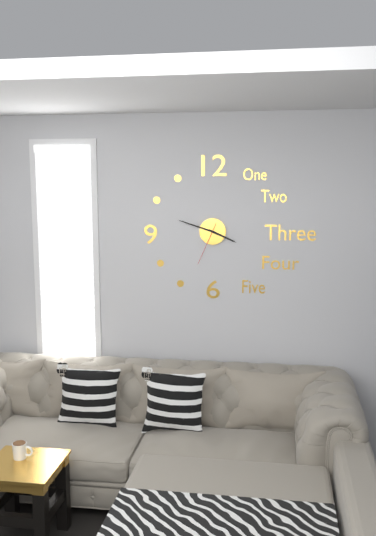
3,48
